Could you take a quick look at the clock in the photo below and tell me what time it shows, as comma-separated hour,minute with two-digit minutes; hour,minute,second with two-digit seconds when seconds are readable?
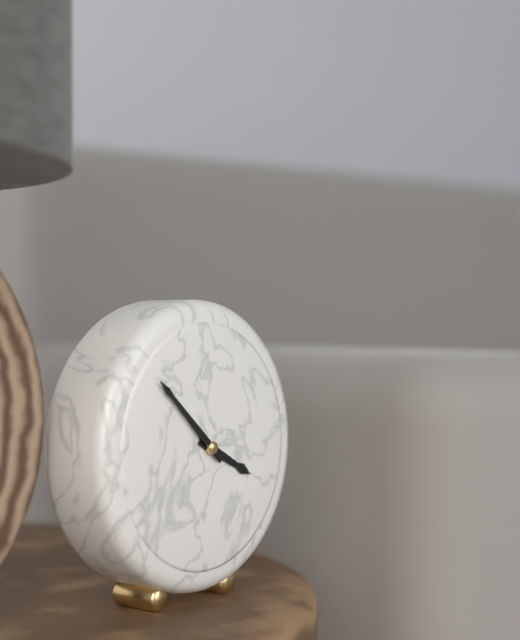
3,52
